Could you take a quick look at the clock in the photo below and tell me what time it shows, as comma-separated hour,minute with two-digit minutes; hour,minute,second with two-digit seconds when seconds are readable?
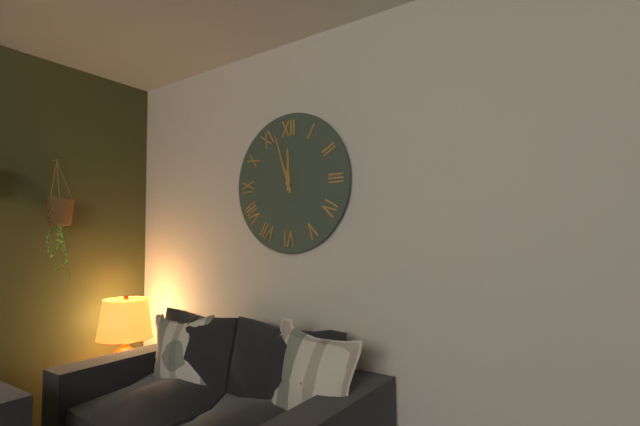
11,57
